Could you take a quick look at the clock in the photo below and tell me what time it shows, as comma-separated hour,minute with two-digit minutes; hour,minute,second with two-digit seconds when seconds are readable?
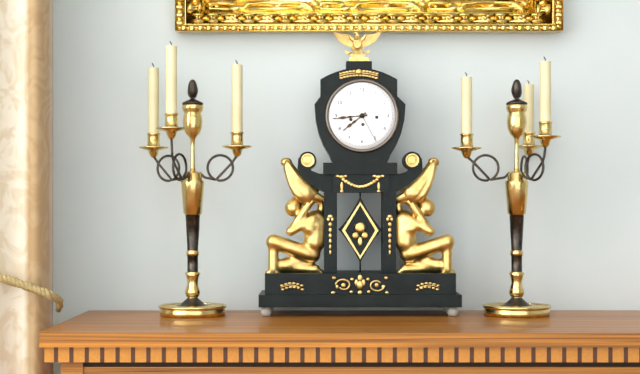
7,44
